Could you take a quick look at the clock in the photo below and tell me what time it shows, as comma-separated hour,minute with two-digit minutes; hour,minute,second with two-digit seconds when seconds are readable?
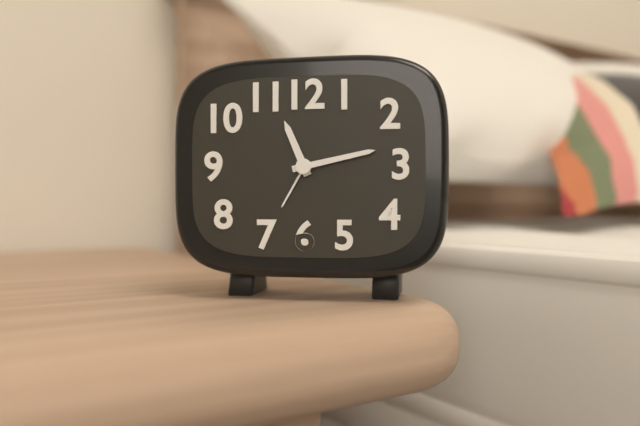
11,13
